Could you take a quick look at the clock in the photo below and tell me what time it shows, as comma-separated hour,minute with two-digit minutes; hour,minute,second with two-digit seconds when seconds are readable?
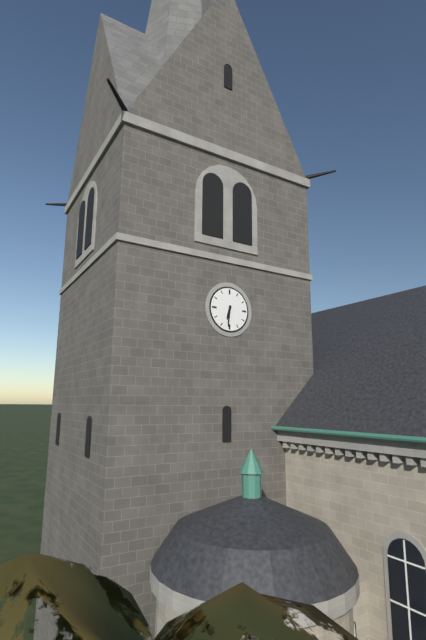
6,31
